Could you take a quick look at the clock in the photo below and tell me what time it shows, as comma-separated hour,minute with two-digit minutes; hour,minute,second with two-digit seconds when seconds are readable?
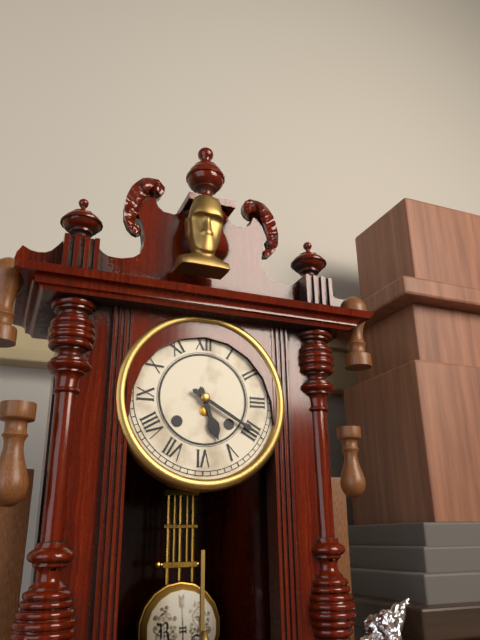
5,20
